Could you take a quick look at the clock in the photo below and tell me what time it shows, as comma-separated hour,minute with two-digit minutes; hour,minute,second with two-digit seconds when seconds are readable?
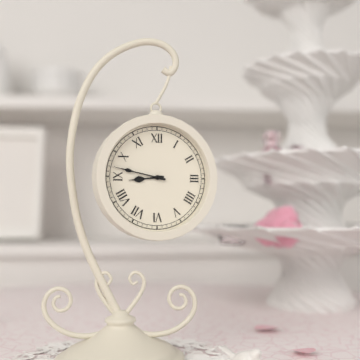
8,47
